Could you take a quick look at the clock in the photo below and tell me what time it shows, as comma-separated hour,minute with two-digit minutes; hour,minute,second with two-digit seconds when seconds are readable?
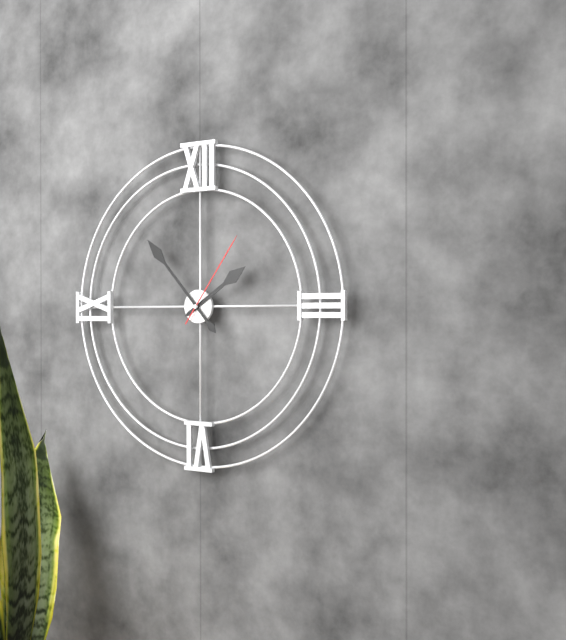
1,53,06
